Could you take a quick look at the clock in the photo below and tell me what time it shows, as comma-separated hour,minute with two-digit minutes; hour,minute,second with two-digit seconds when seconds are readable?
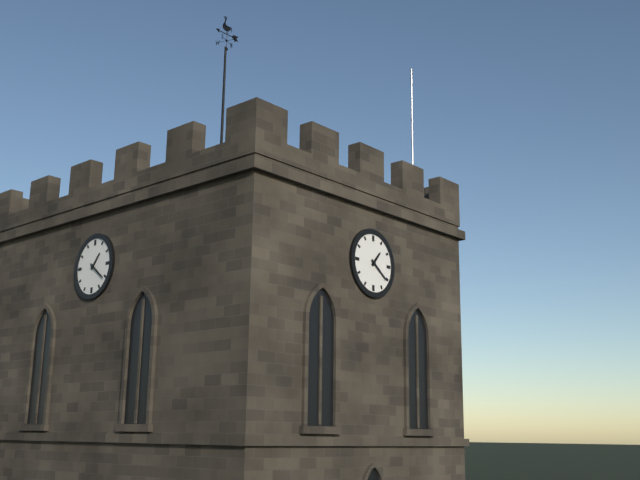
1,21
